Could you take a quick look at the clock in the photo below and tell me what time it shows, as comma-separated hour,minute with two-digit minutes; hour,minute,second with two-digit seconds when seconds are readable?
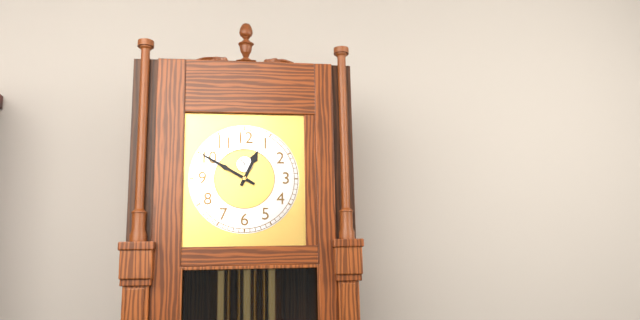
12,50
